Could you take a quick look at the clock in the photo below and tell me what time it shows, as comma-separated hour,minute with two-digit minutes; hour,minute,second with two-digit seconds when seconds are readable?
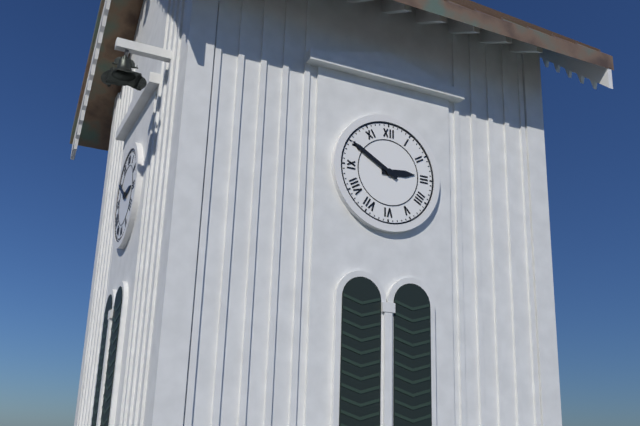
2,50
